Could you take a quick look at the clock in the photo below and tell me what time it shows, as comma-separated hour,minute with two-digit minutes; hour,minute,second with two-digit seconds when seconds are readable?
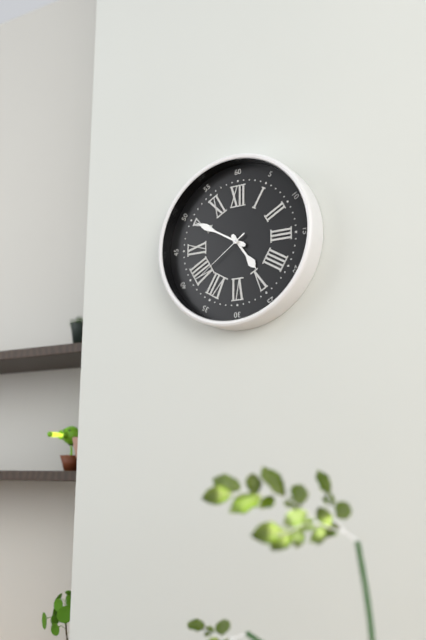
4,50,39
